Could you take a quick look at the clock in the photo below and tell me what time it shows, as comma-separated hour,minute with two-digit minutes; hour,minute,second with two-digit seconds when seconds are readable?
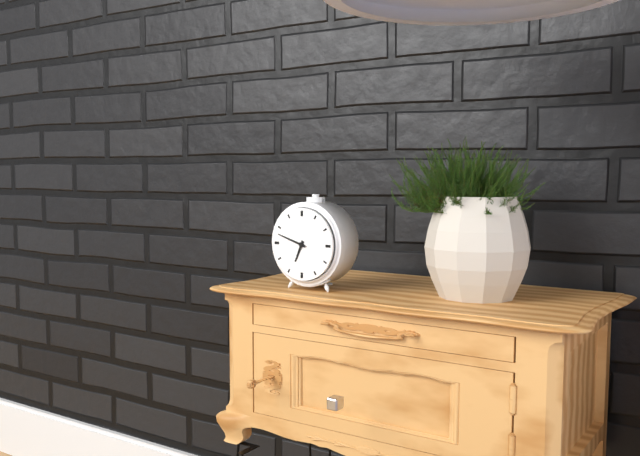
6,48
